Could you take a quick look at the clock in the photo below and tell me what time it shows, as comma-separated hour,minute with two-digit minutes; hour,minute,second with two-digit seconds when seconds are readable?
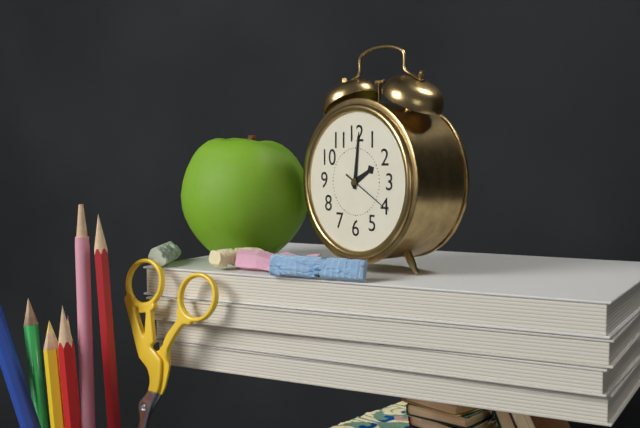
2,01,20
